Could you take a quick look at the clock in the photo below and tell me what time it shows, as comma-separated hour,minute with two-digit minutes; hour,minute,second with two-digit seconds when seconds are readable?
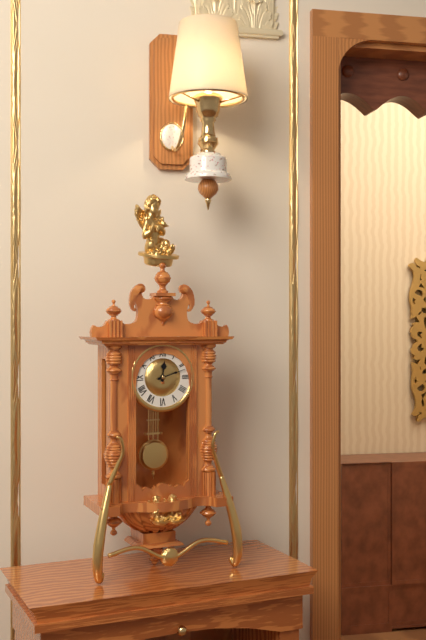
12,12
